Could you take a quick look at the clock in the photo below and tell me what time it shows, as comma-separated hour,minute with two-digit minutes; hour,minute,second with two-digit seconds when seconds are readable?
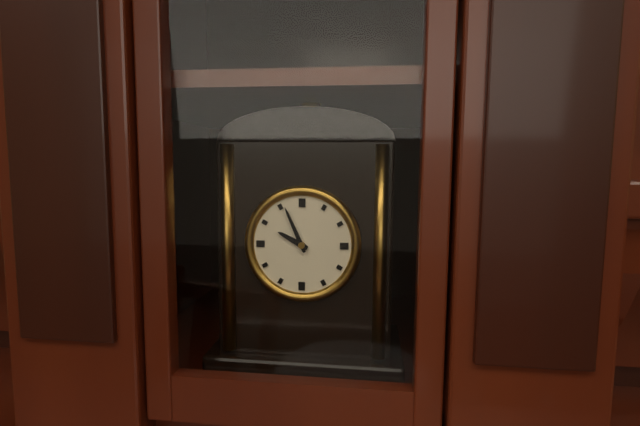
9,56
